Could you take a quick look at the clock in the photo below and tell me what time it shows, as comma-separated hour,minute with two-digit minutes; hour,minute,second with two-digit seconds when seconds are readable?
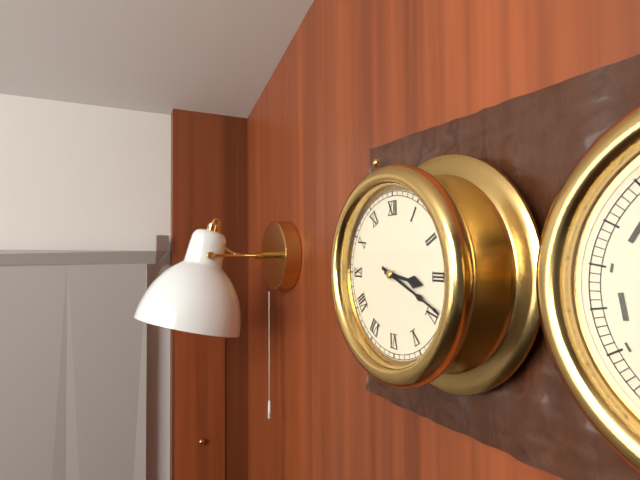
3,19
